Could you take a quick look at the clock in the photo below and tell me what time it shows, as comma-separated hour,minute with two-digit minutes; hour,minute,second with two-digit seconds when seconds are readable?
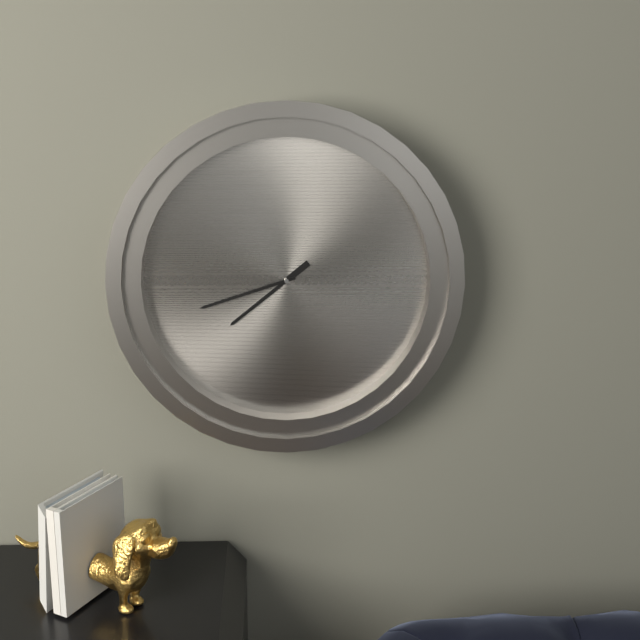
7,42
